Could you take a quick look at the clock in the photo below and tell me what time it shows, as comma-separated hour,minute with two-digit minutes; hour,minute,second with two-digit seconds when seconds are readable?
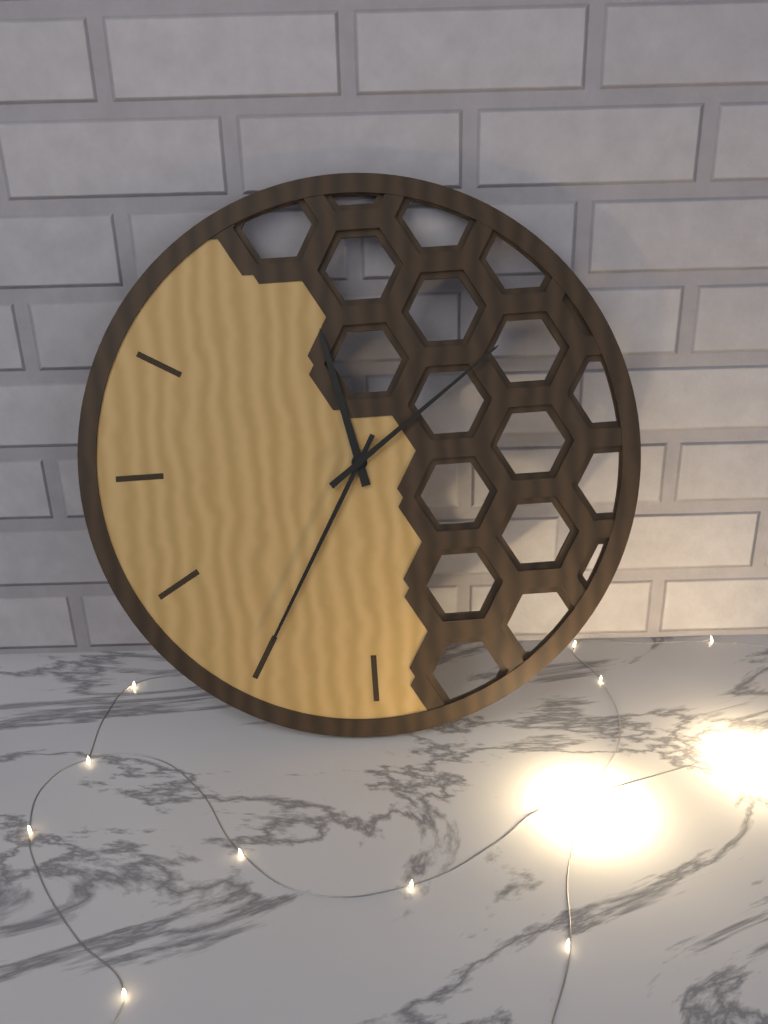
11,35,09
